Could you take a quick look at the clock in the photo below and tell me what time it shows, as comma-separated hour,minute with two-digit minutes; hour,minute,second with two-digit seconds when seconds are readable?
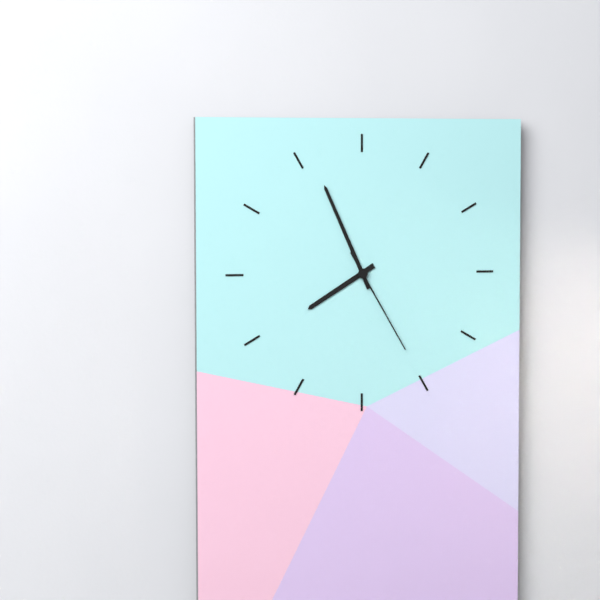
7,56,25
